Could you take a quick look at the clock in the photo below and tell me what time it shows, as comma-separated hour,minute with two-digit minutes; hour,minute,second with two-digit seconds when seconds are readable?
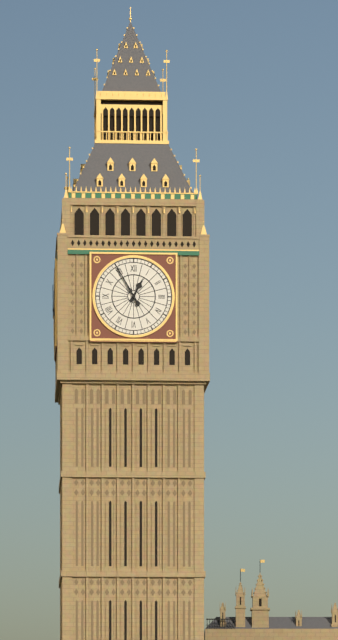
12,55
